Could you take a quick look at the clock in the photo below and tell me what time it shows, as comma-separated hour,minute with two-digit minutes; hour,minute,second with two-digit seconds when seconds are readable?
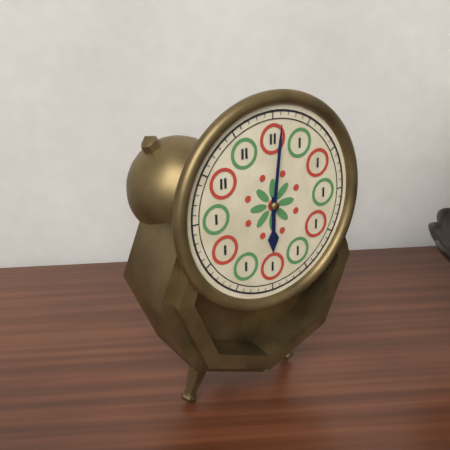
6,01
